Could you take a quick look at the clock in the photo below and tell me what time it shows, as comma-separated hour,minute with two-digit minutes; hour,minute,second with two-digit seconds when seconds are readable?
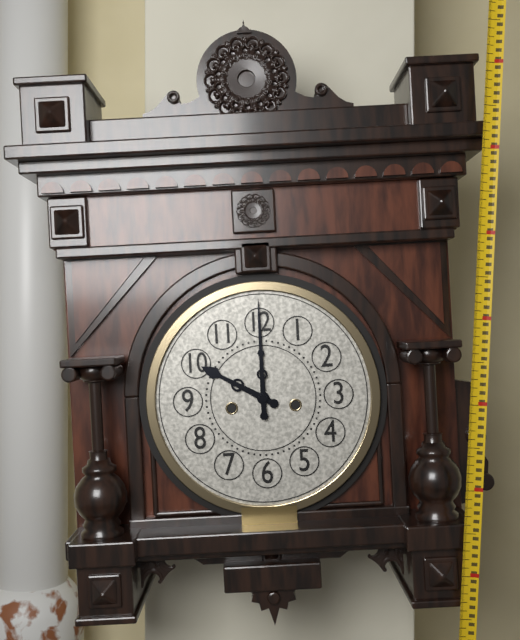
10,00
